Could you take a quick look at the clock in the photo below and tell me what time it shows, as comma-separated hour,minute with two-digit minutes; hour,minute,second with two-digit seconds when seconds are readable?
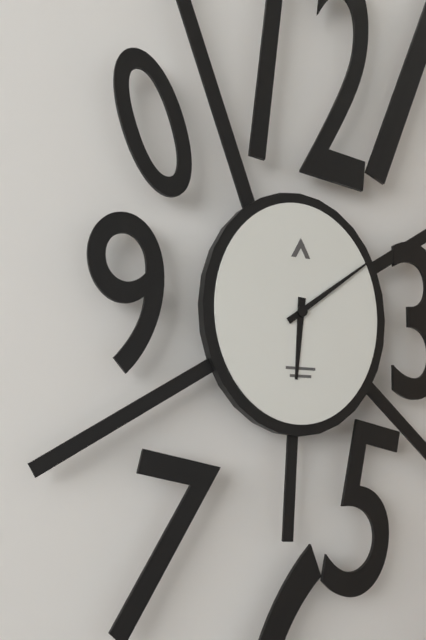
6,09
